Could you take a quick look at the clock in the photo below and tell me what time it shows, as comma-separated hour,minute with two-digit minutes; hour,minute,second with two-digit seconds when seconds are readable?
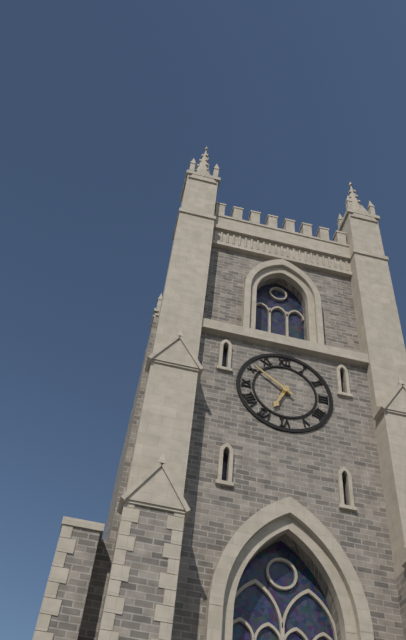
6,51
